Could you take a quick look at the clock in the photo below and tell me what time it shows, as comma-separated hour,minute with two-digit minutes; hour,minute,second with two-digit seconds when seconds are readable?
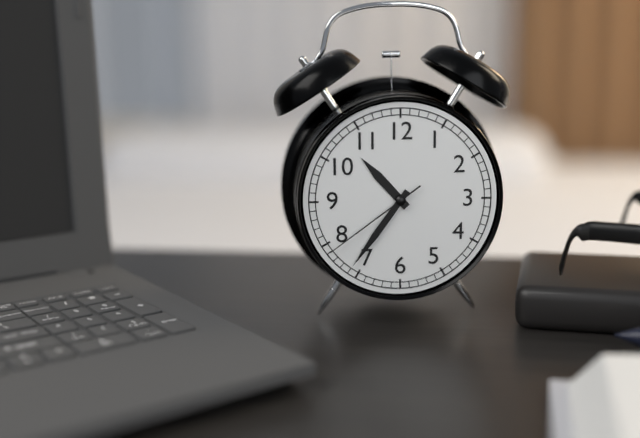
10,36,39
